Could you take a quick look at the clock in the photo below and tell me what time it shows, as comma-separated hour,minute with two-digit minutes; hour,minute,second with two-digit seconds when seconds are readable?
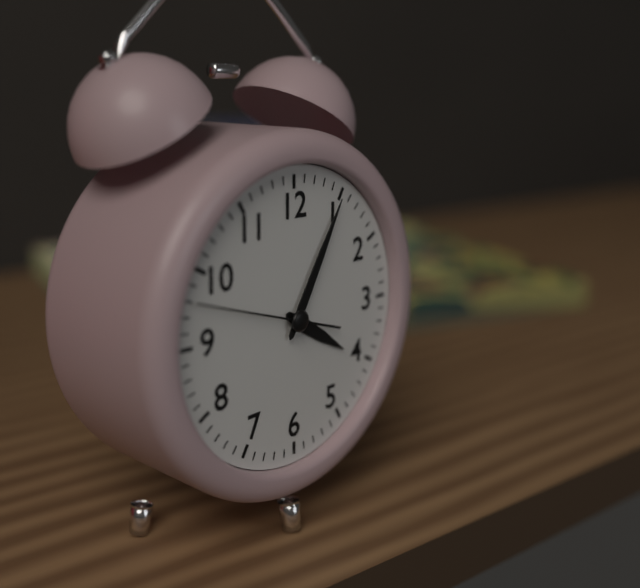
4,05,48
